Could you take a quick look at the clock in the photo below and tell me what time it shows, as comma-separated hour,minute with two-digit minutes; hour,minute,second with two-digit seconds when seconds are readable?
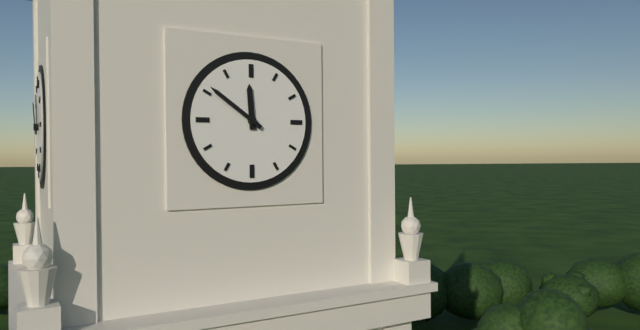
11,51
